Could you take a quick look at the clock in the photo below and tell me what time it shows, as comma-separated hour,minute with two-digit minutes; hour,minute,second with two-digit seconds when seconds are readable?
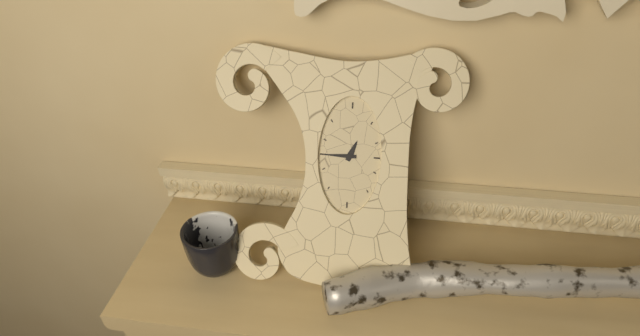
12,45
